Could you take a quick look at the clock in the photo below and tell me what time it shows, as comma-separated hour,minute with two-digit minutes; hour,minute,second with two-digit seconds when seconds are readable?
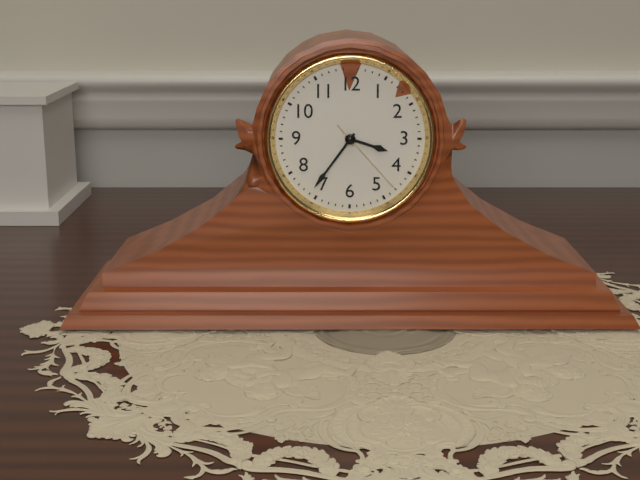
3,36,23
